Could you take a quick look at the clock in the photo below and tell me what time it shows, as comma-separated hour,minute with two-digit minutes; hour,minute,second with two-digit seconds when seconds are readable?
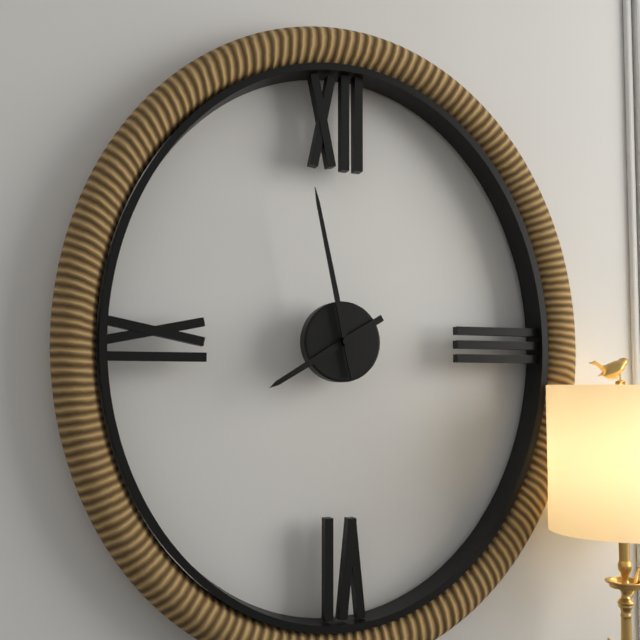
7,58
